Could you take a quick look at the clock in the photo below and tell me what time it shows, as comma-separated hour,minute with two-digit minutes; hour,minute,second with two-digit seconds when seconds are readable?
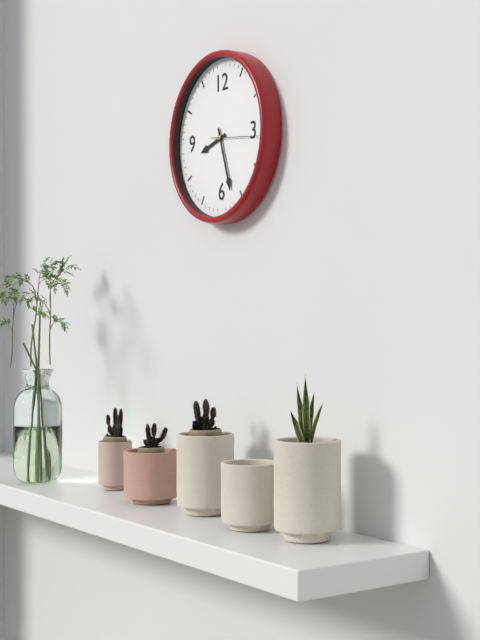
8,27
